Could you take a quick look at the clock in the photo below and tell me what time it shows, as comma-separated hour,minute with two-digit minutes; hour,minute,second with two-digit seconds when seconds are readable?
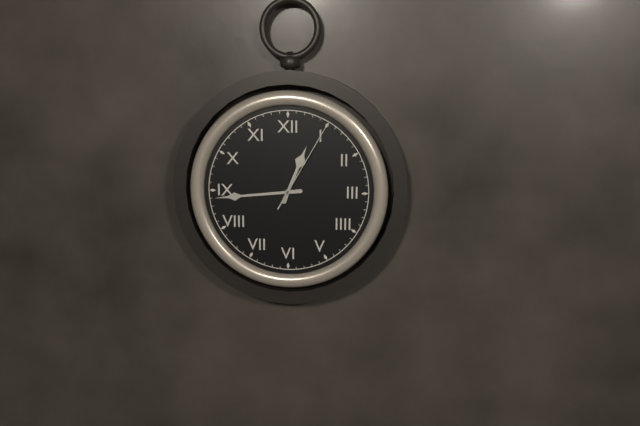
12,44,05
